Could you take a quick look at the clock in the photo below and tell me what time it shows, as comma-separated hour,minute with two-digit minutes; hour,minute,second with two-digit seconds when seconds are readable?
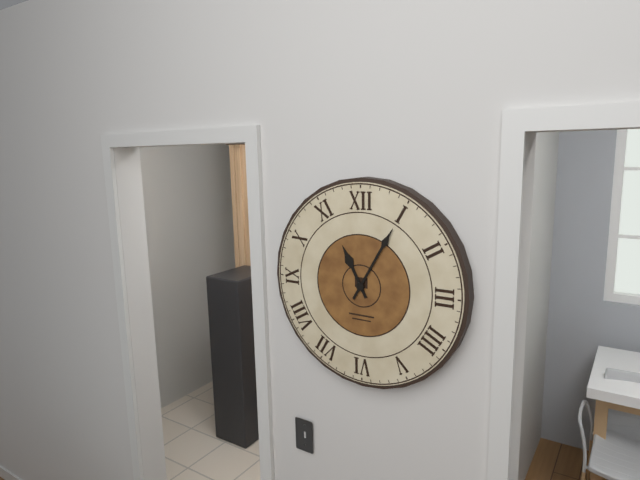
11,05
